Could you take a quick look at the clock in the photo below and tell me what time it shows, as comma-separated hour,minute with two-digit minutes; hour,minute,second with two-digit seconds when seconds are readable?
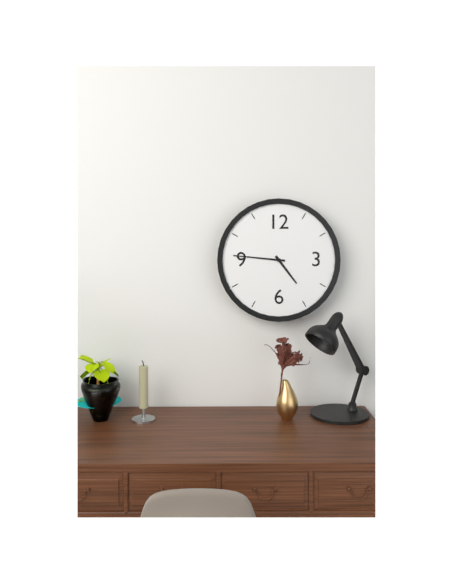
4,46
